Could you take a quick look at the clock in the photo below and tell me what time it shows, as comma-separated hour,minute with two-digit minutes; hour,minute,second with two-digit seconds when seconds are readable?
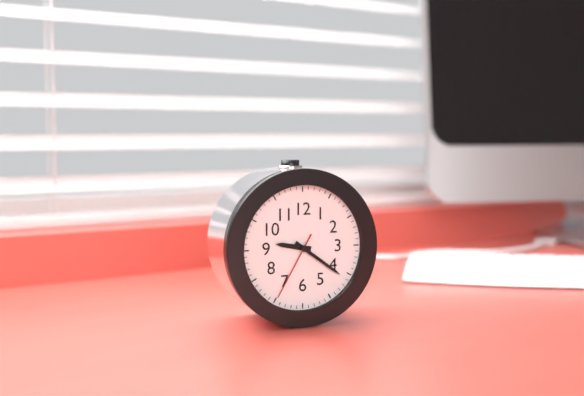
9,21,35
